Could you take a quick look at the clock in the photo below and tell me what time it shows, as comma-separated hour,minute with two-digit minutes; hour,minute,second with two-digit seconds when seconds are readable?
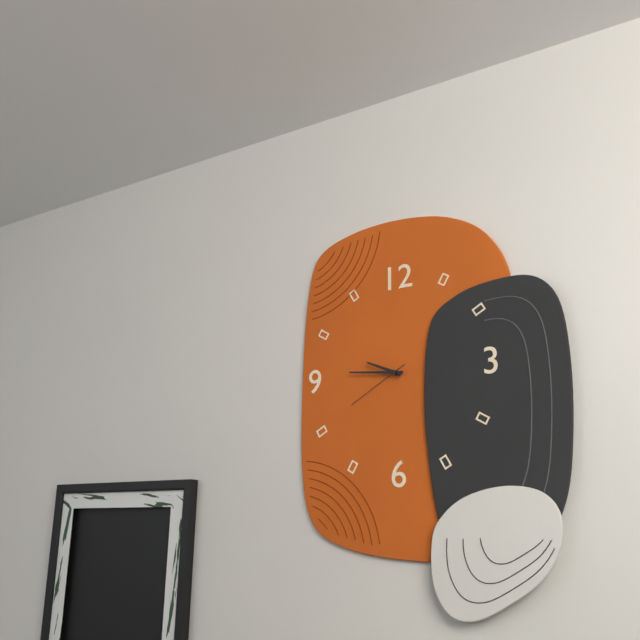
9,46,40
